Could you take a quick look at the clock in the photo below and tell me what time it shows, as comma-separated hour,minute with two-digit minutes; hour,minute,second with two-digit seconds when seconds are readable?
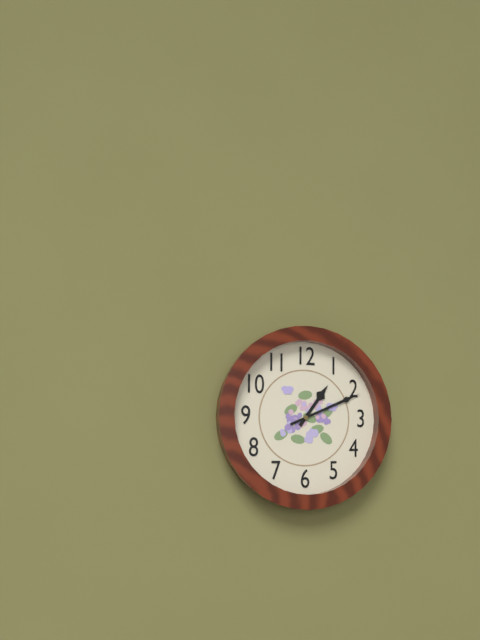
1,11
